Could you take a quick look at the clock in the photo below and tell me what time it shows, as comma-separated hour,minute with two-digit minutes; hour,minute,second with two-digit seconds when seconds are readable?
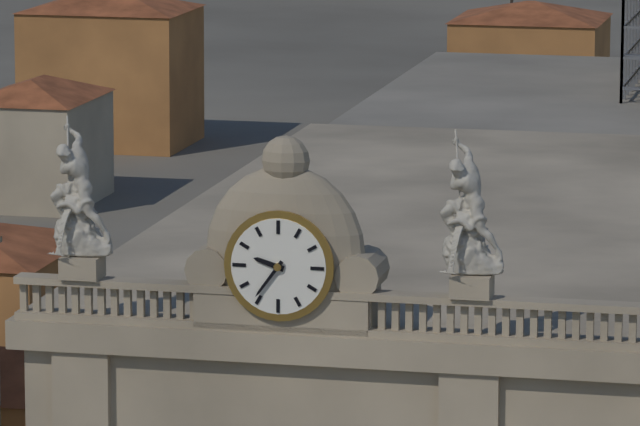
9,36
